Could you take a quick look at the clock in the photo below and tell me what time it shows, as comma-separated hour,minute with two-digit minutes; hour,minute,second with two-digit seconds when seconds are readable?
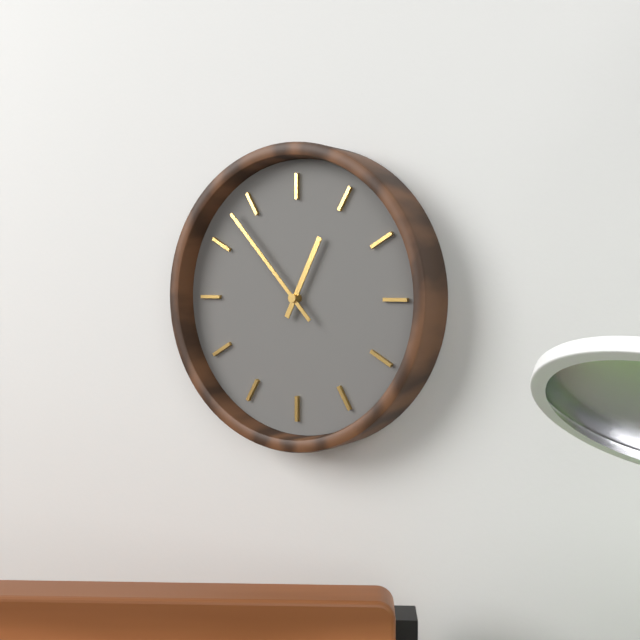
12,53
